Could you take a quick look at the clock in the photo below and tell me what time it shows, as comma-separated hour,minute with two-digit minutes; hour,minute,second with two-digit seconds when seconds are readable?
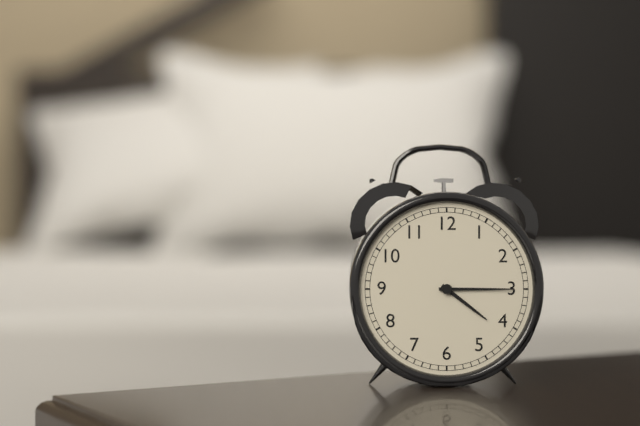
4,15
